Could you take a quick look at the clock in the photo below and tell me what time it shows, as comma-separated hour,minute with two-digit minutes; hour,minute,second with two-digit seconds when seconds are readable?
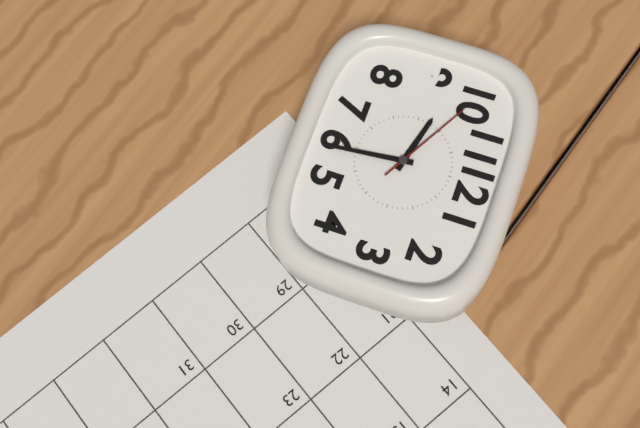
9,29,50
